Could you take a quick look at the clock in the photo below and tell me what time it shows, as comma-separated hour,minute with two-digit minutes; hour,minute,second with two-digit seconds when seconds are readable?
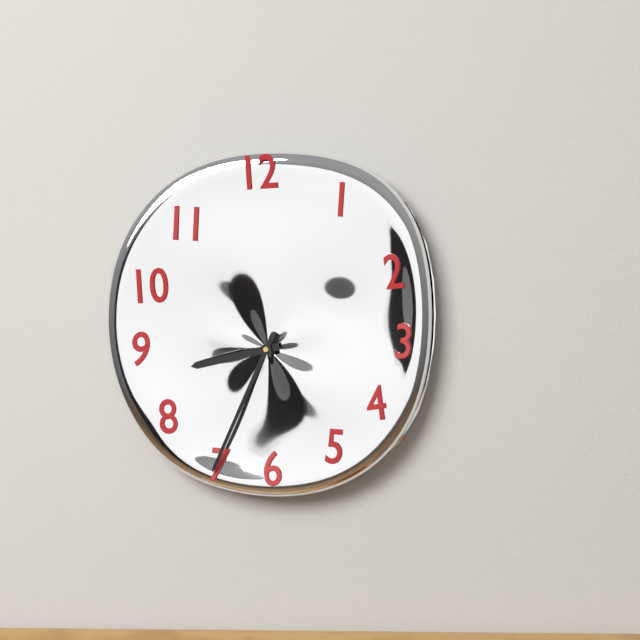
8,34
